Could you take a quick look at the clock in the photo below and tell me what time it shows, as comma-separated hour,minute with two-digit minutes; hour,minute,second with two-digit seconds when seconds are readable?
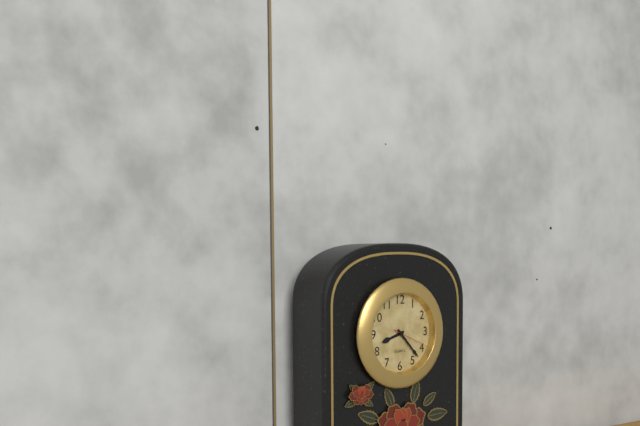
8,23
